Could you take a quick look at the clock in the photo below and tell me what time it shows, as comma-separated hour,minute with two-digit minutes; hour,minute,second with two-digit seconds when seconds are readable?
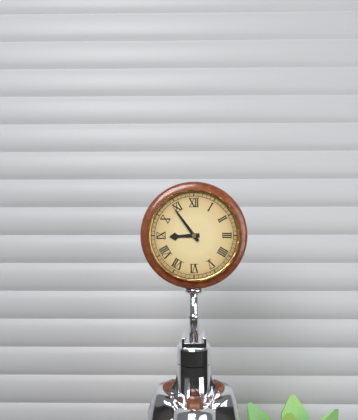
8,54
